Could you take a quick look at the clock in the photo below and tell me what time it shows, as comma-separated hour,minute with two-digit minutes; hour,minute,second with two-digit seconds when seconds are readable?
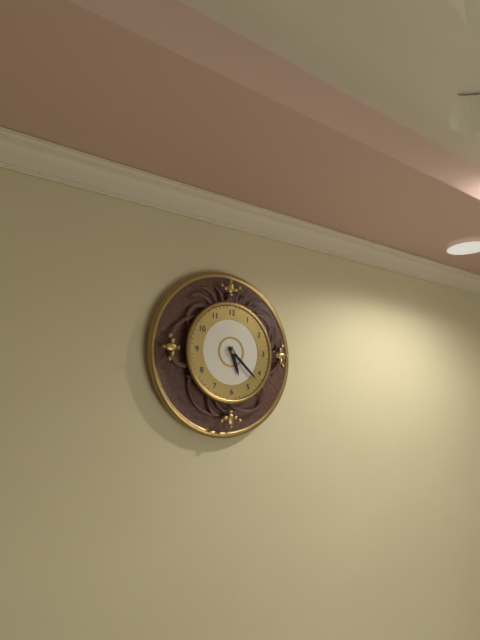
5,22
